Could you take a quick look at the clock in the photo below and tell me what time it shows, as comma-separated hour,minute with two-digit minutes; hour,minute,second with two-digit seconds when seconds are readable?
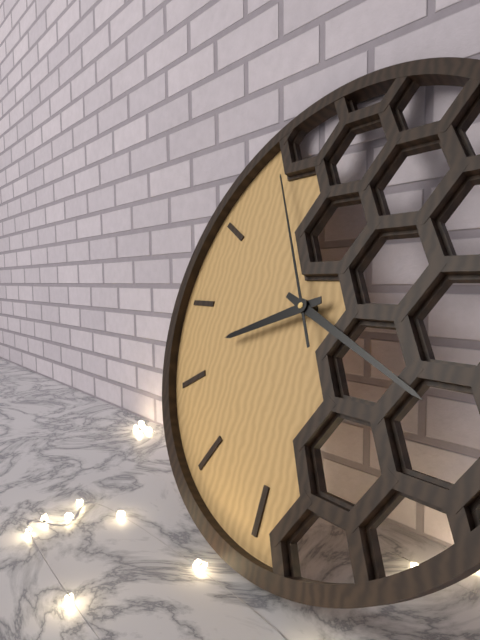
8,19,55
